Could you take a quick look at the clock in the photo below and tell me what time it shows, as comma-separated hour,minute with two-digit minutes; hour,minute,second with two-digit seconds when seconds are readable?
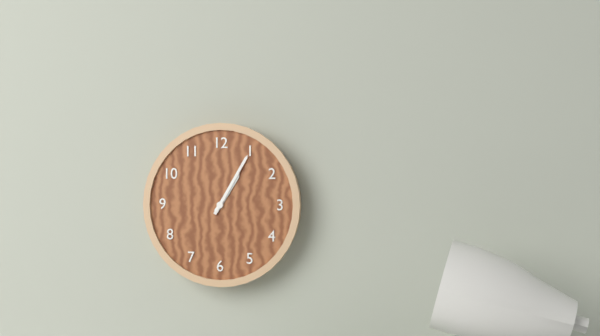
1,05
